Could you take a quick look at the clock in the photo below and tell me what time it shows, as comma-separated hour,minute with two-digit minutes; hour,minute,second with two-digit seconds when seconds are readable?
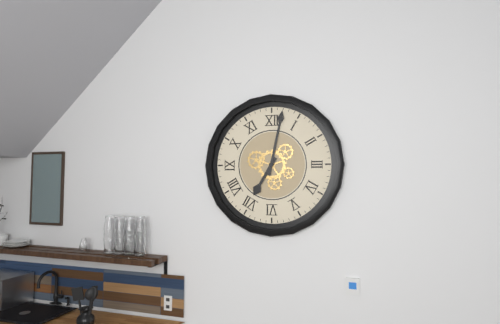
7,02
